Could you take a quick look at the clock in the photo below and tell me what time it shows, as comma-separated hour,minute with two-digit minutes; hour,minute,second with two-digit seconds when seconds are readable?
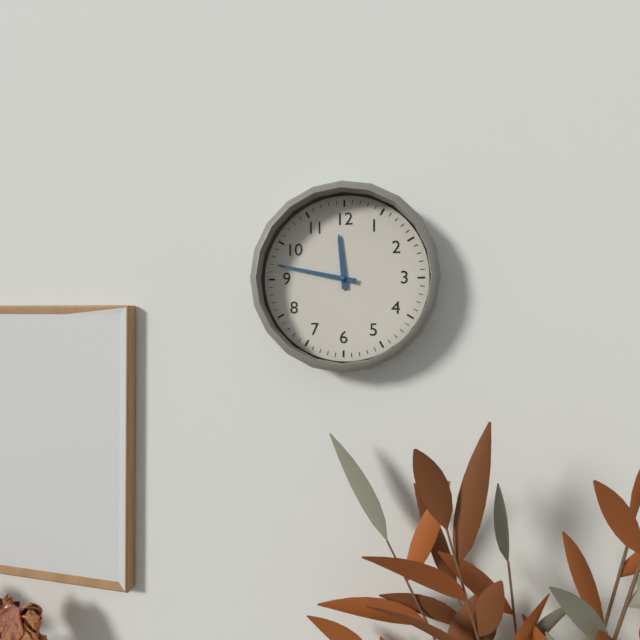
11,47
